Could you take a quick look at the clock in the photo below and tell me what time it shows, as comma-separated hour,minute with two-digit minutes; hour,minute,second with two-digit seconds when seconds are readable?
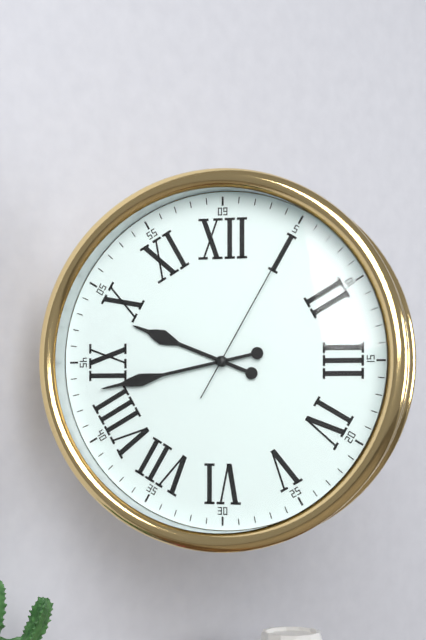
9,43,05
